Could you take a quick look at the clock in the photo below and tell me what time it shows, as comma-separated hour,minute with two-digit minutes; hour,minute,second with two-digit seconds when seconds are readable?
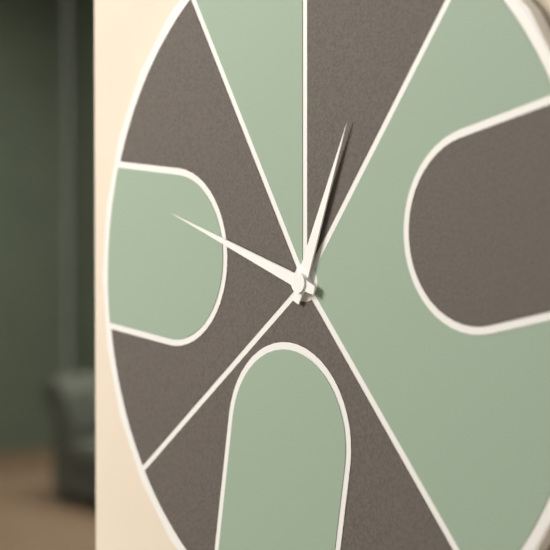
12,48
